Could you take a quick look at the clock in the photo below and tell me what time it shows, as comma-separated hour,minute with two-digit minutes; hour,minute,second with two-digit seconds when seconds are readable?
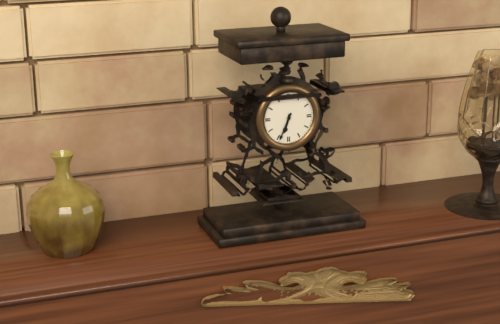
6,34
